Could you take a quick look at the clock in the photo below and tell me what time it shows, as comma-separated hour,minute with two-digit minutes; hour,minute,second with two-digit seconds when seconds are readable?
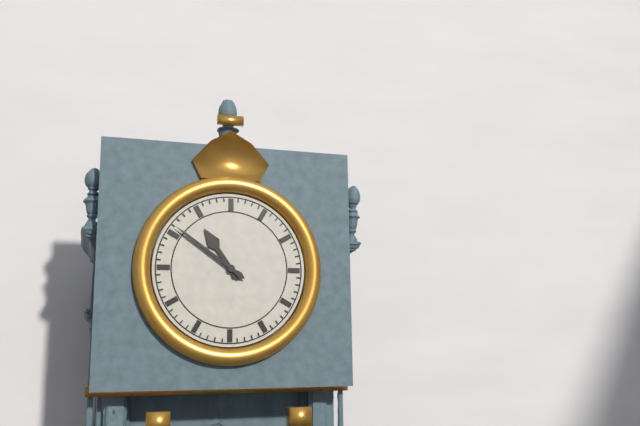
10,51
